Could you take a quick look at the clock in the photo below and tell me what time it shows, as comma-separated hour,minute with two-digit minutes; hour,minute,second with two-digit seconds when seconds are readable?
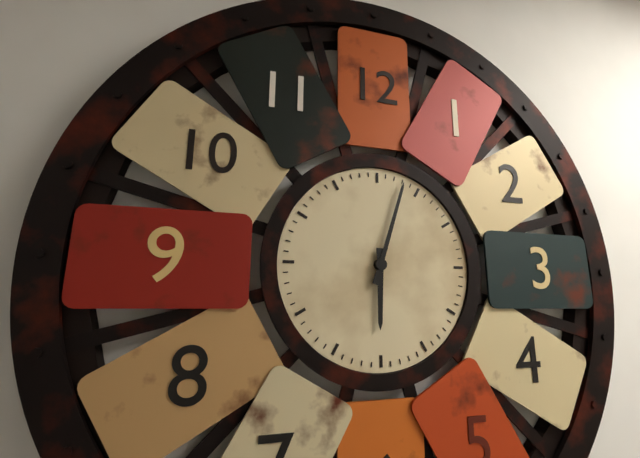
6,03
